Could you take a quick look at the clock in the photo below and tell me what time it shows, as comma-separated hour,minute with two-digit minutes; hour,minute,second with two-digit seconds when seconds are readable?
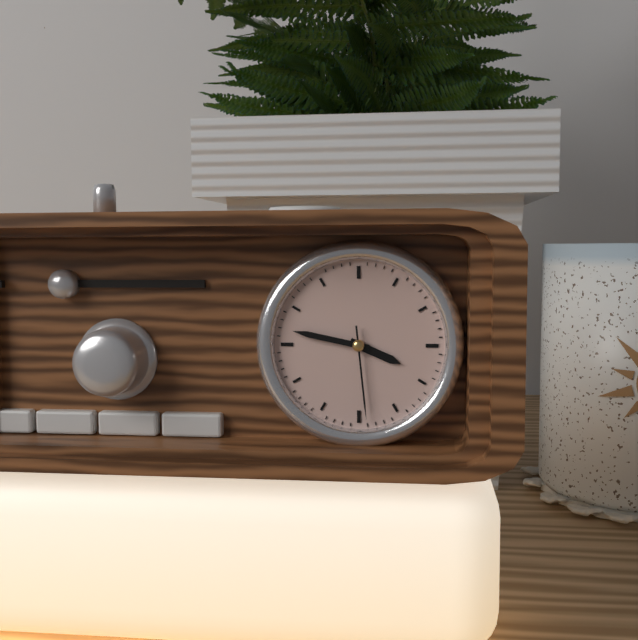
3,47,29
